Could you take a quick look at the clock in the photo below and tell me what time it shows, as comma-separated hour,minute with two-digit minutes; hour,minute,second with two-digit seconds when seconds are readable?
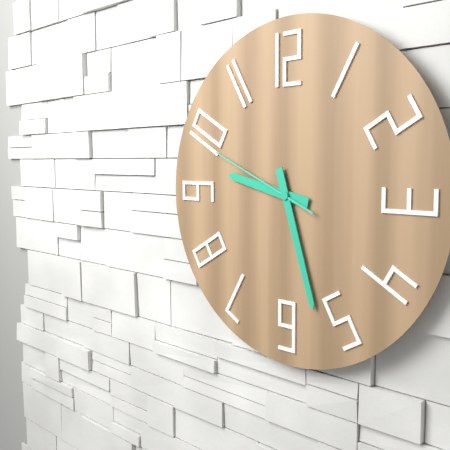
9,27,49
